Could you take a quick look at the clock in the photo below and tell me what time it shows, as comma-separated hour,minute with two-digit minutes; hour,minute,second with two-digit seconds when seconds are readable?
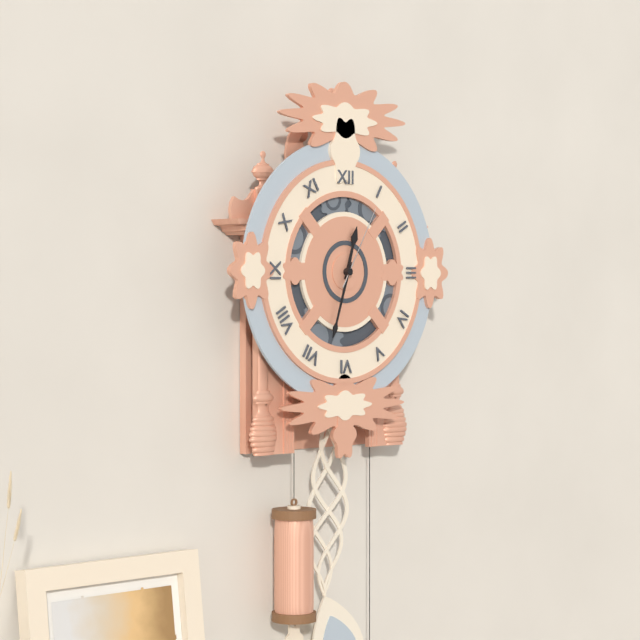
12,33,05
